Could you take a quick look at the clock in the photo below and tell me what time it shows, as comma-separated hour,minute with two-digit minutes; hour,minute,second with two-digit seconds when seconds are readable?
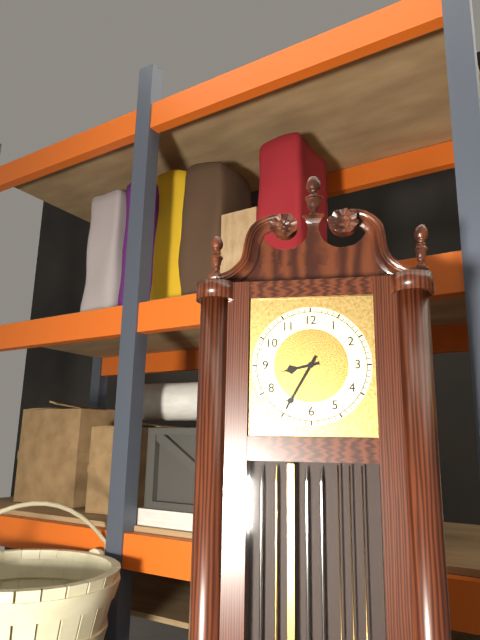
8,35
